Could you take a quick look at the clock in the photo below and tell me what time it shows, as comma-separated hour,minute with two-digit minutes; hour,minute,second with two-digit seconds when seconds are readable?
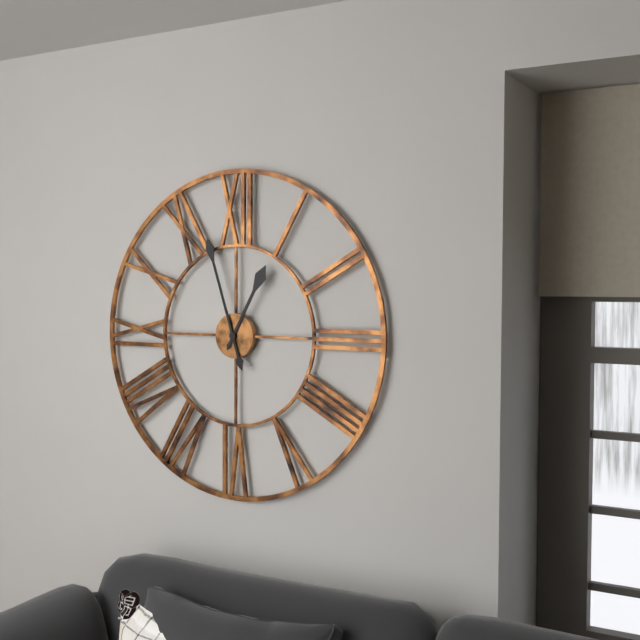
12,57
